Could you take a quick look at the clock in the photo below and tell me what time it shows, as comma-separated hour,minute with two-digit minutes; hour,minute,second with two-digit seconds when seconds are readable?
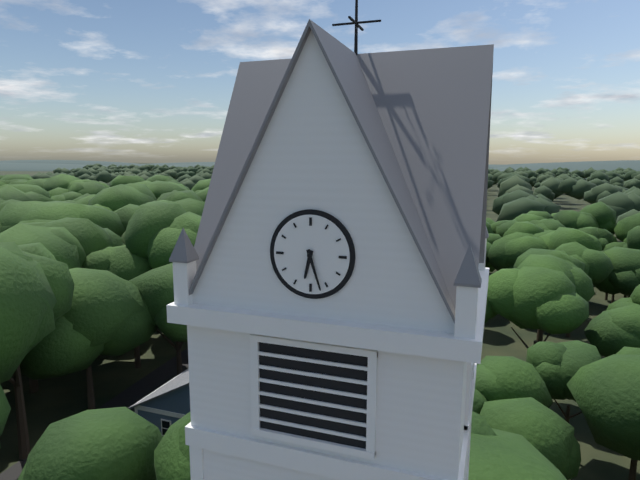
6,27
